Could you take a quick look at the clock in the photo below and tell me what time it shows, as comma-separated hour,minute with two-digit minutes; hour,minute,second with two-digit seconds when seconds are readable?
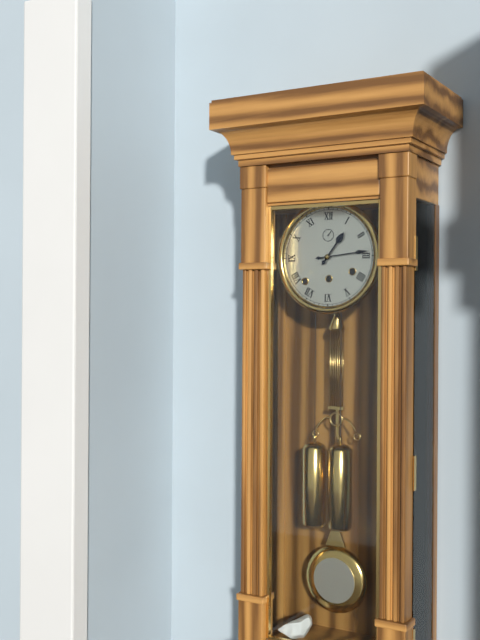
1,14
